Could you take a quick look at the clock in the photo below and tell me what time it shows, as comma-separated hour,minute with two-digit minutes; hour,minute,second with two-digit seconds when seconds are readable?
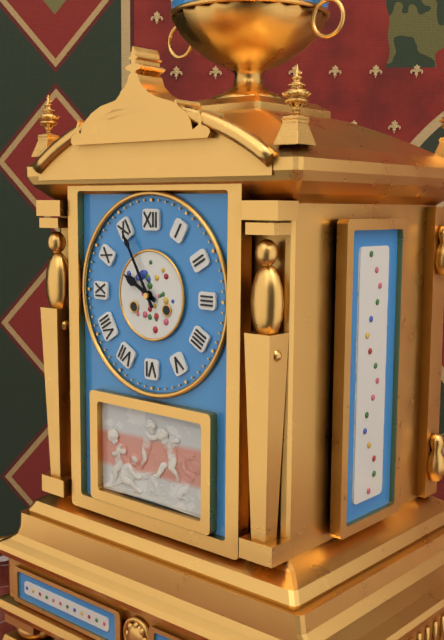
9,55
